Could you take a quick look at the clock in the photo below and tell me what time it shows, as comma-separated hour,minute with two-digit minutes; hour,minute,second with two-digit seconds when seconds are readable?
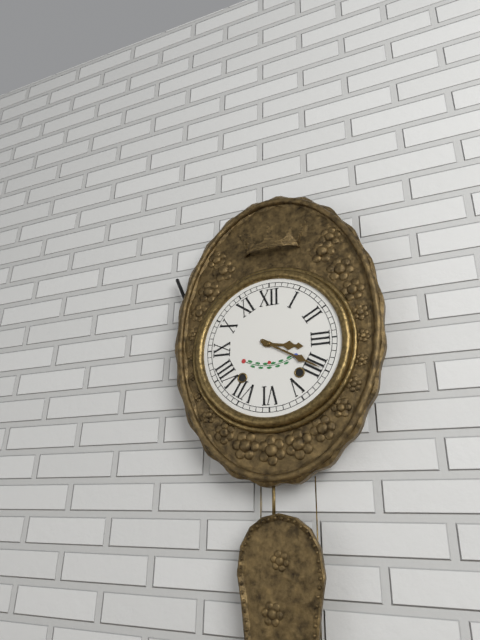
3,20
